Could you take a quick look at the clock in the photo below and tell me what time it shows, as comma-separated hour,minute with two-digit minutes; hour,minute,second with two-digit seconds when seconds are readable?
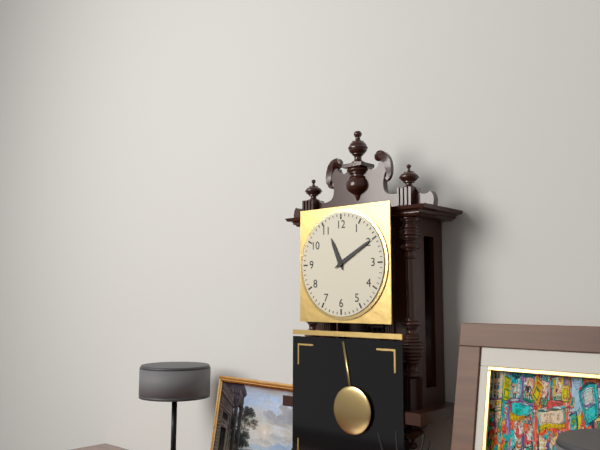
11,10
